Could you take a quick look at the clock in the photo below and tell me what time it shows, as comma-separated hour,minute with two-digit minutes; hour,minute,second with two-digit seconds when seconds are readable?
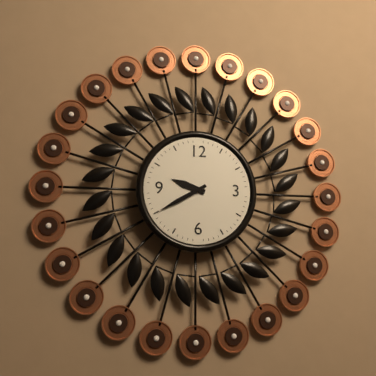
9,40
